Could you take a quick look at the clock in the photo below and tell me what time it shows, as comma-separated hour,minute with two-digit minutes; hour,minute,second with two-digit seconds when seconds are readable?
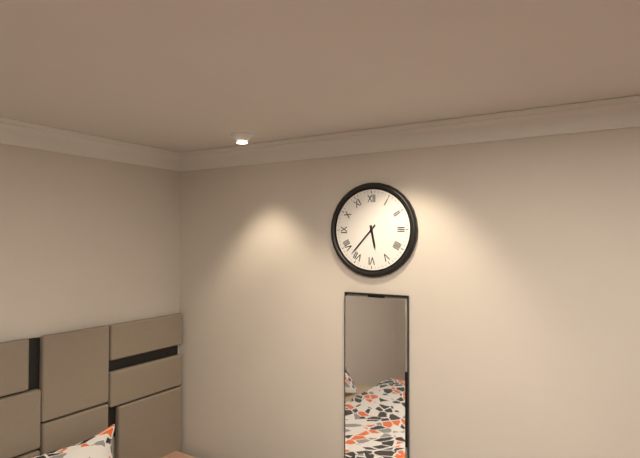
5,37
